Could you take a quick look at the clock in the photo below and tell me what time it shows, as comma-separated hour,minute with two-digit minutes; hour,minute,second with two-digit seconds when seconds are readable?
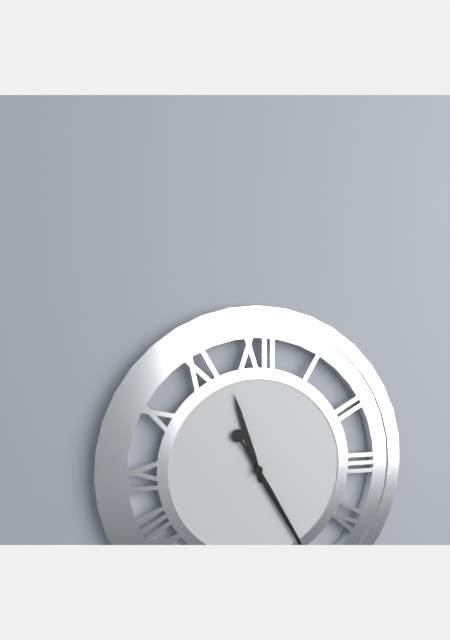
11,25
